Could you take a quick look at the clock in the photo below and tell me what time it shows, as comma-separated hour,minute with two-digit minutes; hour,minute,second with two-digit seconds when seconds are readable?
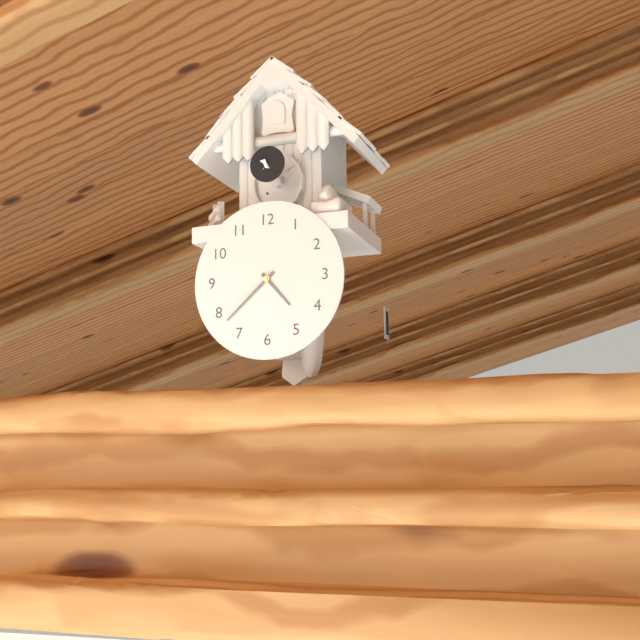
4,38
